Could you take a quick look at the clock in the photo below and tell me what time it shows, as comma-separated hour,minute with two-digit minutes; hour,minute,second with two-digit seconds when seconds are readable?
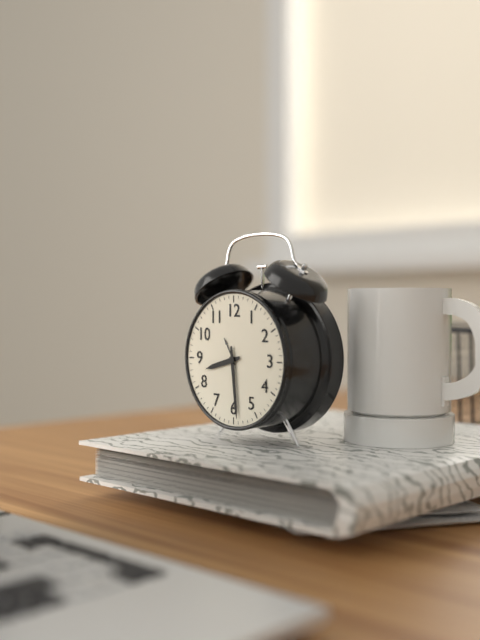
8,29
